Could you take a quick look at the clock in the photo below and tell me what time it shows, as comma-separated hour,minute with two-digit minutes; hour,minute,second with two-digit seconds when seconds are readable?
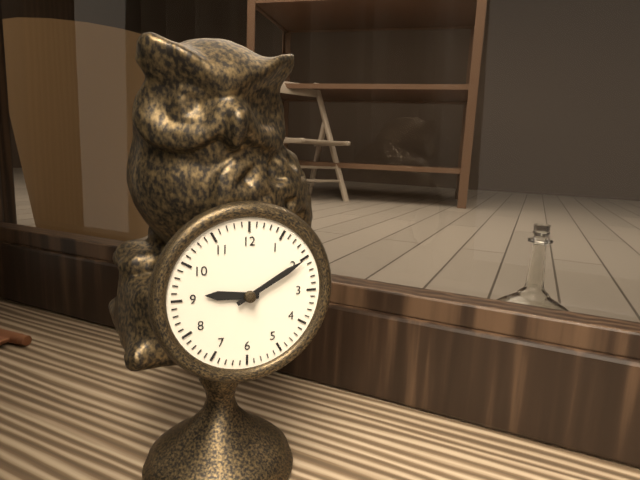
9,10
